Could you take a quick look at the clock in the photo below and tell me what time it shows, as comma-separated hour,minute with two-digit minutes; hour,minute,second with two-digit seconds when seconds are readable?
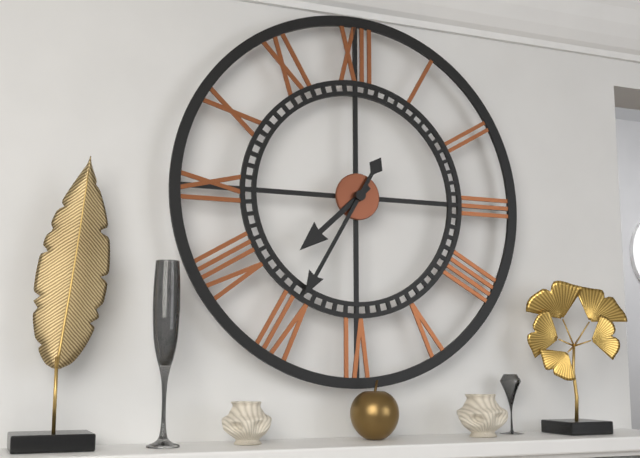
7,35
